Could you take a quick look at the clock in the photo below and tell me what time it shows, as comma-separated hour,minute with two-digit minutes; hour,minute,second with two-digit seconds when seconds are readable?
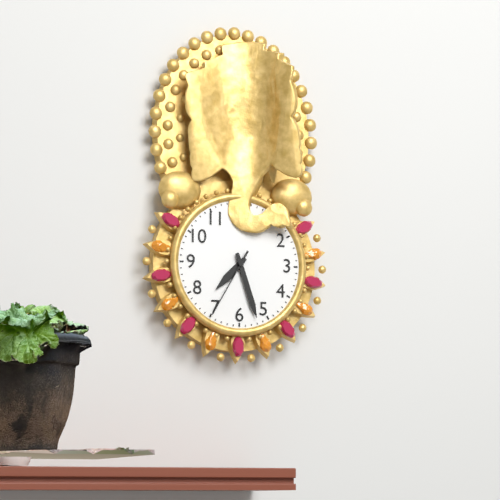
7,27,35
